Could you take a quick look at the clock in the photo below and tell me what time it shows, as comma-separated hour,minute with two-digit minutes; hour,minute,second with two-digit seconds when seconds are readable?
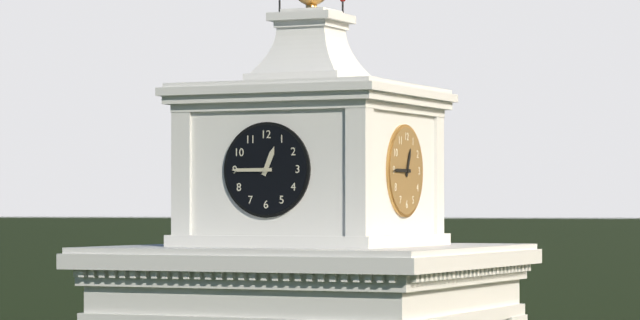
12,45
